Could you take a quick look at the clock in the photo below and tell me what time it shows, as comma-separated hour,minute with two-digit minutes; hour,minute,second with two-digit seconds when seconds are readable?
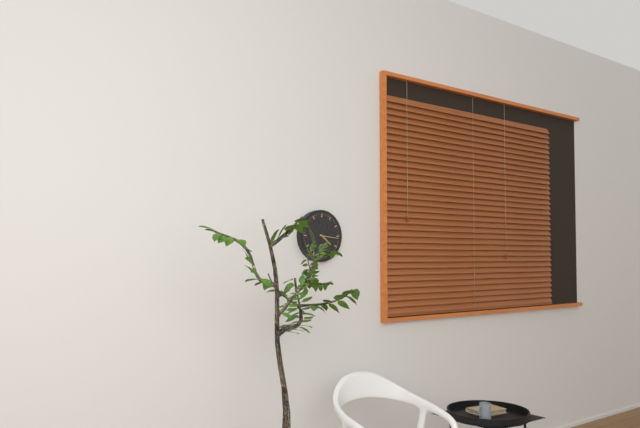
4,16
